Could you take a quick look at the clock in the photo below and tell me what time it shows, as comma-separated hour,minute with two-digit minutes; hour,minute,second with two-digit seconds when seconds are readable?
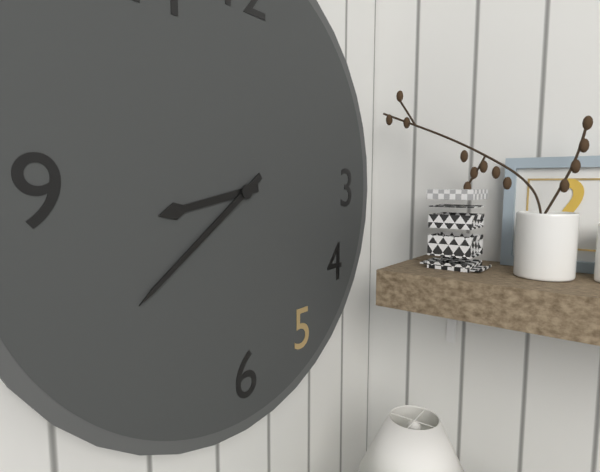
8,39
